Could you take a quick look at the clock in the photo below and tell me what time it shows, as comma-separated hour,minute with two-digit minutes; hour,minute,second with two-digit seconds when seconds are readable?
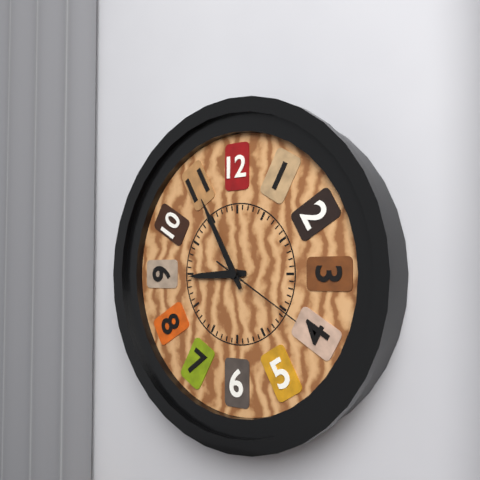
8,55,20
